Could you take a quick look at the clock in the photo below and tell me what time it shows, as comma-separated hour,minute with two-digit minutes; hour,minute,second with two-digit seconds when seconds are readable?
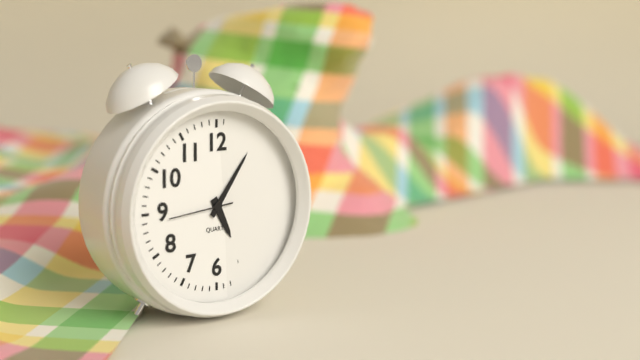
5,06,44
